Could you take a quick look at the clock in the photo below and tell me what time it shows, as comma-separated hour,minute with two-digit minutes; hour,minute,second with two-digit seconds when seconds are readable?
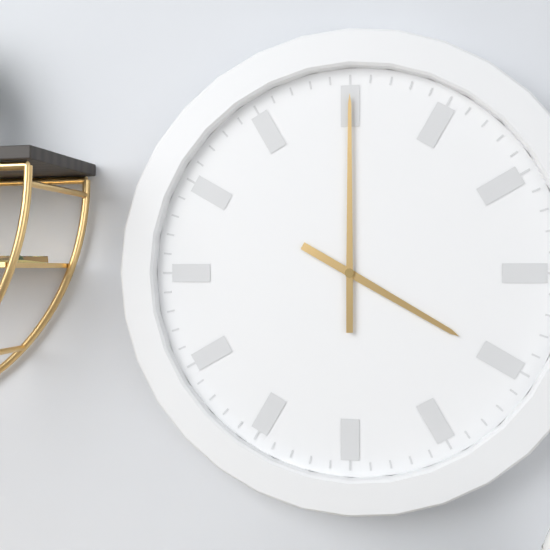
4,00
